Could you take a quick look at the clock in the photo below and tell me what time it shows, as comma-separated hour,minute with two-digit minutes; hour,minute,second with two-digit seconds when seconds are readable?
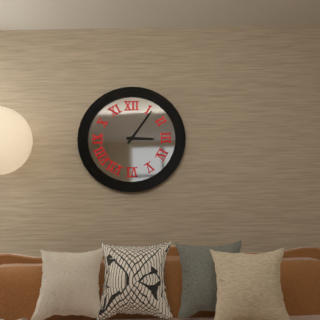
3,06
